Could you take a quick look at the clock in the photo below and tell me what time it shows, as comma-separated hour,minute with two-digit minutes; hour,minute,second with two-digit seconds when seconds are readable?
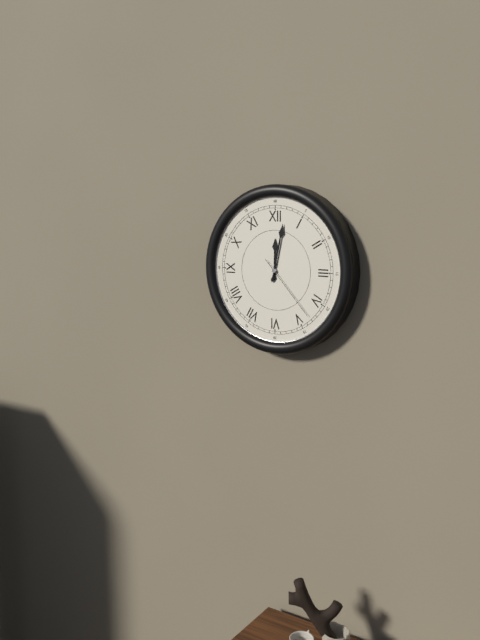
12,02,23
